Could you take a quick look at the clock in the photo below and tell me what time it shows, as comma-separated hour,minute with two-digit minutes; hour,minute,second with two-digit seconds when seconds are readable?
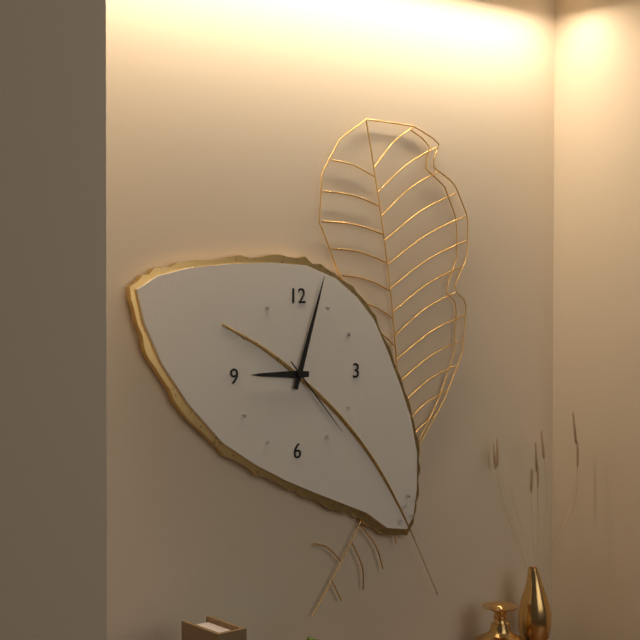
9,03,23
